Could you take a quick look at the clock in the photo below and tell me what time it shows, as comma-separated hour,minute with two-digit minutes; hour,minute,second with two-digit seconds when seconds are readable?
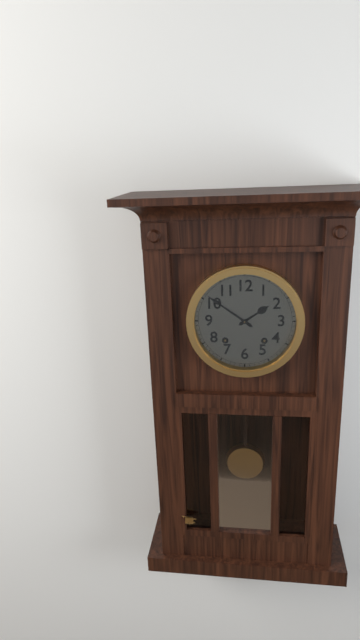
1,51
